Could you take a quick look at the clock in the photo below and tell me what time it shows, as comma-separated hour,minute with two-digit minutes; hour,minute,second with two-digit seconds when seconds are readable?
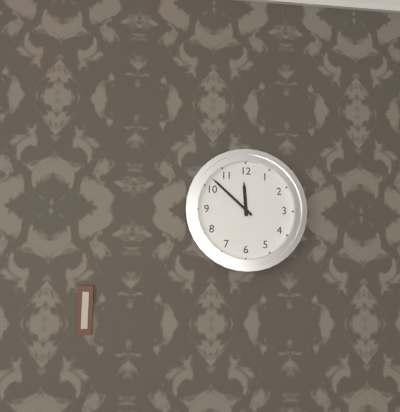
11,52
